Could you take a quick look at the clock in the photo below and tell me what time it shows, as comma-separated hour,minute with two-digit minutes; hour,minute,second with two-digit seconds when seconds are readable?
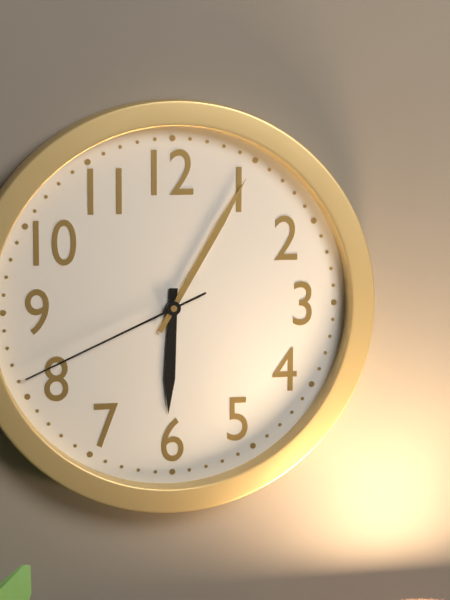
6,05,41
